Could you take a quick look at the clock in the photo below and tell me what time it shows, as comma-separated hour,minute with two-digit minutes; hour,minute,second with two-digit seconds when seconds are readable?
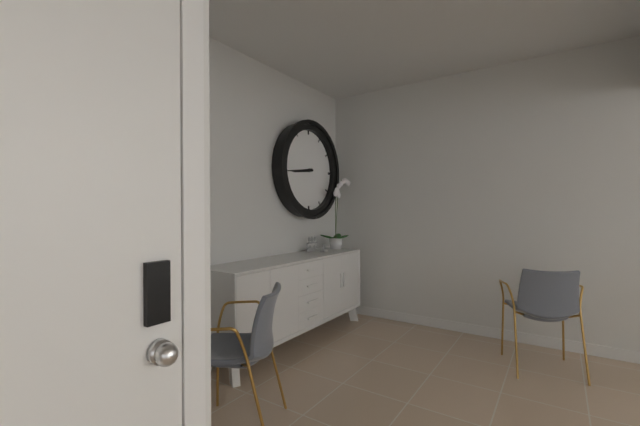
8,44
